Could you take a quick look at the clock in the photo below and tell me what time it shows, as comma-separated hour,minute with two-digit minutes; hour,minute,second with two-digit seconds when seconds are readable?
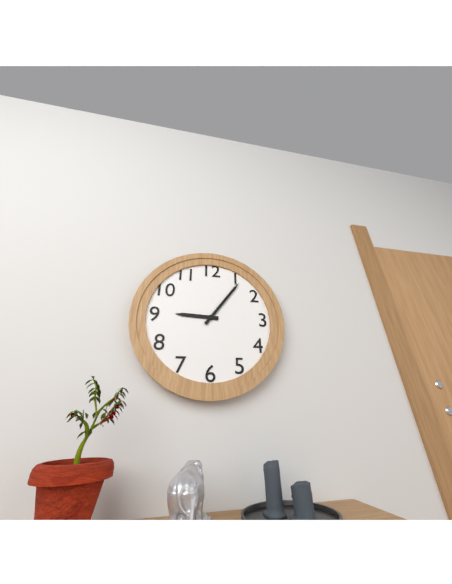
9,06
